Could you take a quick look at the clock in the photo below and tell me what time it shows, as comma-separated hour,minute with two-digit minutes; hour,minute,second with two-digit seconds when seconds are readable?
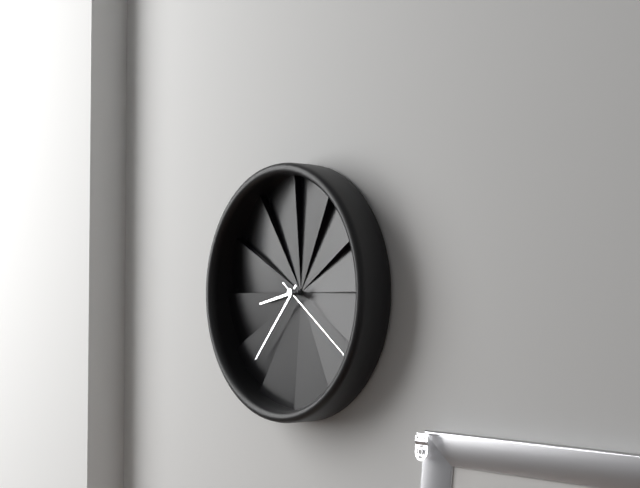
8,37,21
